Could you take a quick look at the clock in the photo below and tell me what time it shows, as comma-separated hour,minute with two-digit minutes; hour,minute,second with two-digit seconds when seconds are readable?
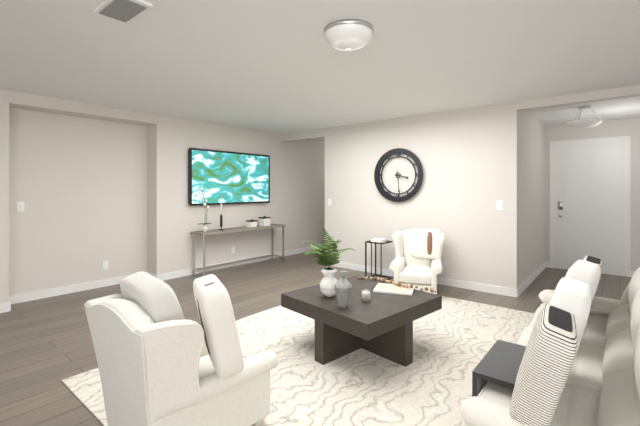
3,29
